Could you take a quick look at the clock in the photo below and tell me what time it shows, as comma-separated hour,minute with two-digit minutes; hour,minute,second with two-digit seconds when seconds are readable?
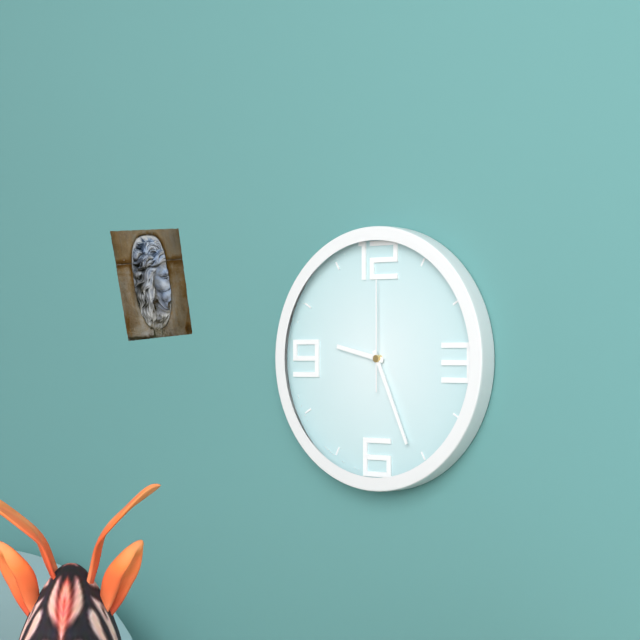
9,26,00
